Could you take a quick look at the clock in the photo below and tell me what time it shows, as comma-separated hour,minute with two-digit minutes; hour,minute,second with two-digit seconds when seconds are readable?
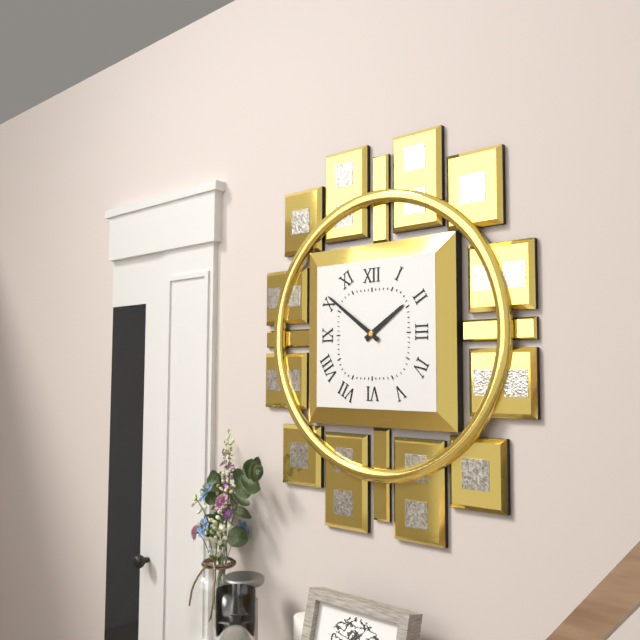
1,51
